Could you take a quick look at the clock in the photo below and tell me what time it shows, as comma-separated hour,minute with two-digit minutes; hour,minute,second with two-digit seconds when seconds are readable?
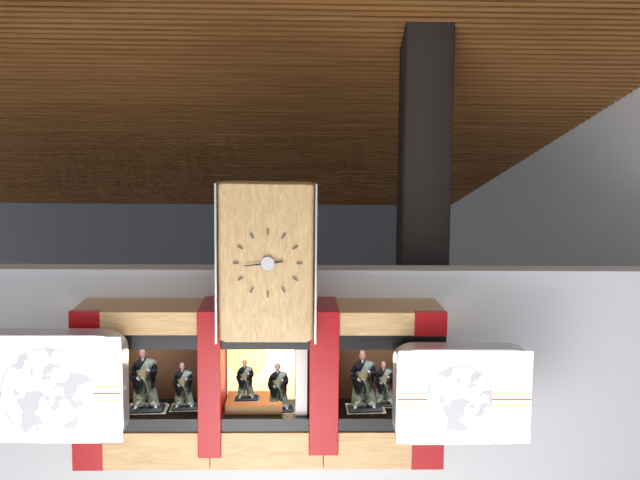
2,44
